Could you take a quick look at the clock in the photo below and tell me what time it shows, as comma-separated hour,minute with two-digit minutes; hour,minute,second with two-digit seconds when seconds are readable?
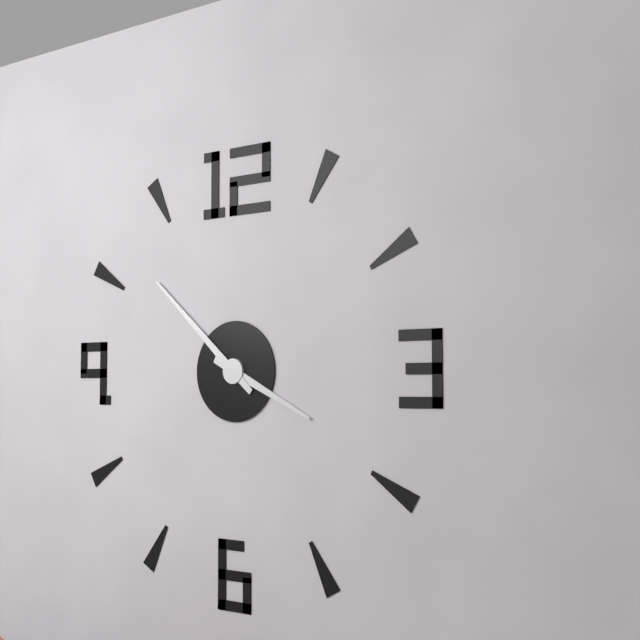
3,52
